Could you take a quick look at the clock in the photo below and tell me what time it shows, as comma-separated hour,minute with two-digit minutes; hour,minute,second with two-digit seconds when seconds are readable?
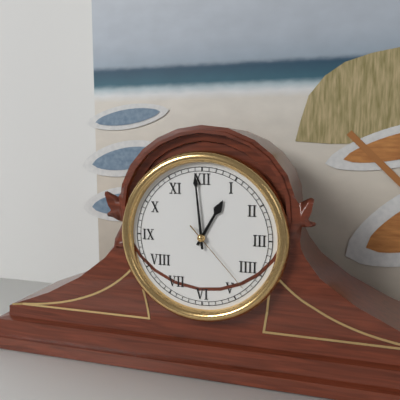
12,59,23
